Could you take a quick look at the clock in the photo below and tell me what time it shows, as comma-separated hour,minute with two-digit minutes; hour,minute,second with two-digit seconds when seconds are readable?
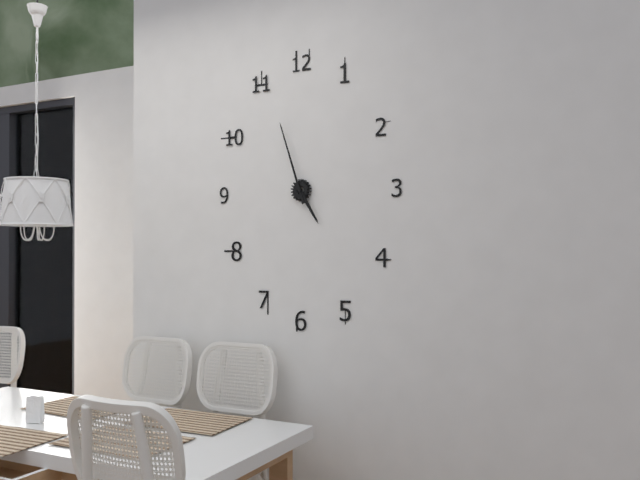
4,57
